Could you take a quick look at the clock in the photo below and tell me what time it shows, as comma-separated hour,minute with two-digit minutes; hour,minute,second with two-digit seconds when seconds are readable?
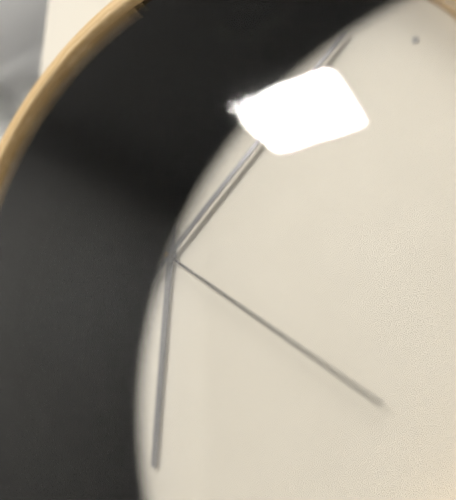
6,08,21
